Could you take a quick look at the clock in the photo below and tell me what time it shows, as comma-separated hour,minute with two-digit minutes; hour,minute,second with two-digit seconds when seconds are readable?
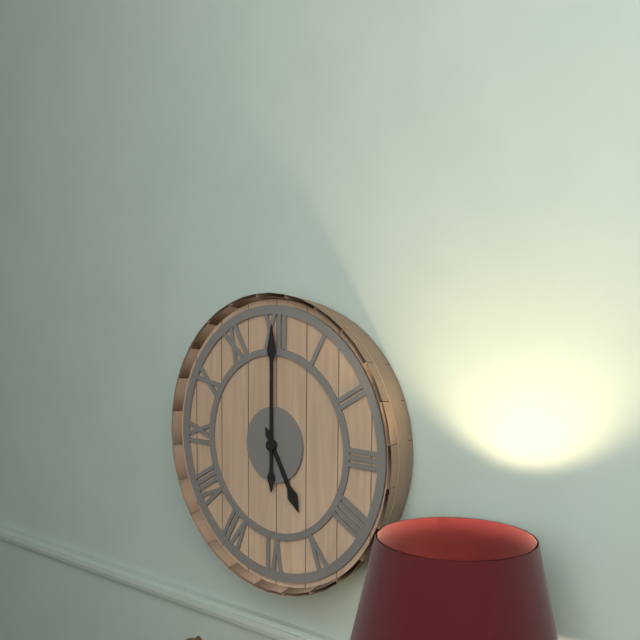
5,00
